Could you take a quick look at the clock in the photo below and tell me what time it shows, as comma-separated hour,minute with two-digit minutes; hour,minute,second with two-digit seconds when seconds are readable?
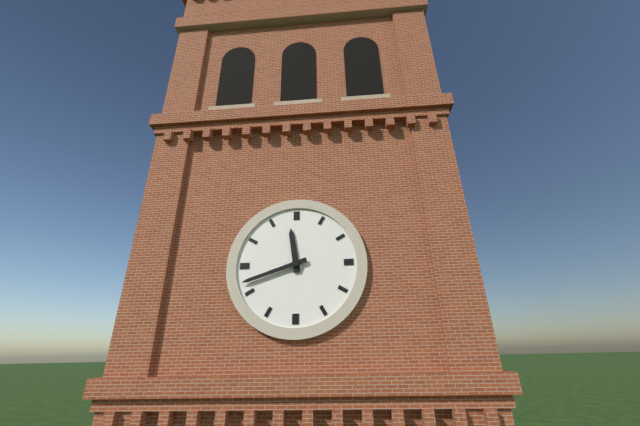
11,42
